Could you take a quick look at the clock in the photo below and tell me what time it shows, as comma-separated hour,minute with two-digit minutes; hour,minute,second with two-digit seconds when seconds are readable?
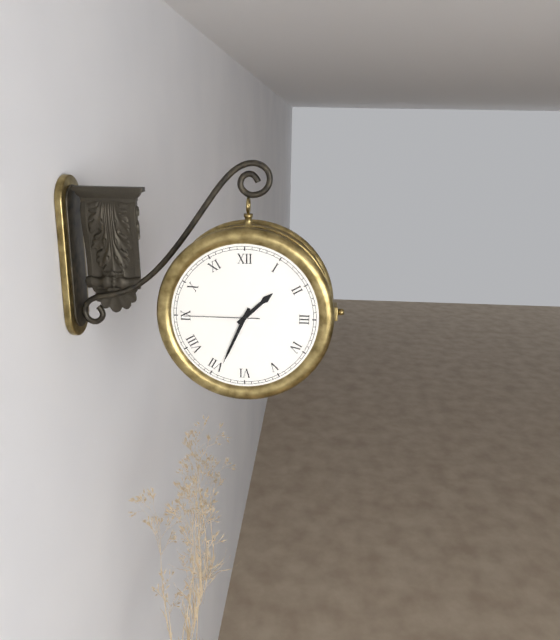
1,34,45
